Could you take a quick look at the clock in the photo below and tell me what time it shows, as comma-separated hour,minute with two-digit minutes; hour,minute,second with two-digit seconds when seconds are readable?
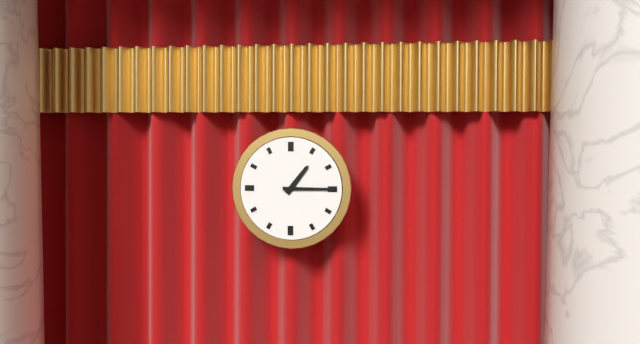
1,15
